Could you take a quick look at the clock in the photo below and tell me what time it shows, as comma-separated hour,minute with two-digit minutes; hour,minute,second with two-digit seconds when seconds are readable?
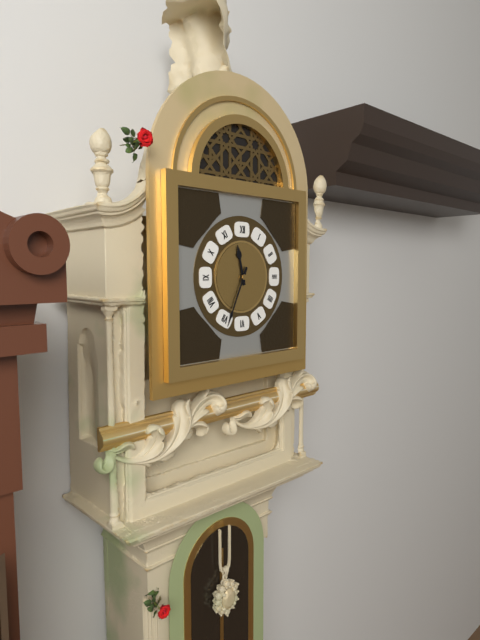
11,34
